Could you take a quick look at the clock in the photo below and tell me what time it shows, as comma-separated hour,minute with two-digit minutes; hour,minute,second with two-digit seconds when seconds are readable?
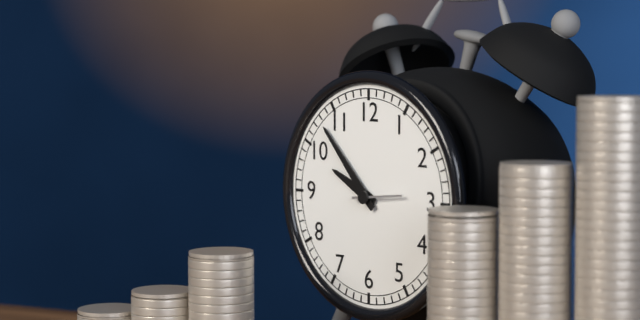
9,53
